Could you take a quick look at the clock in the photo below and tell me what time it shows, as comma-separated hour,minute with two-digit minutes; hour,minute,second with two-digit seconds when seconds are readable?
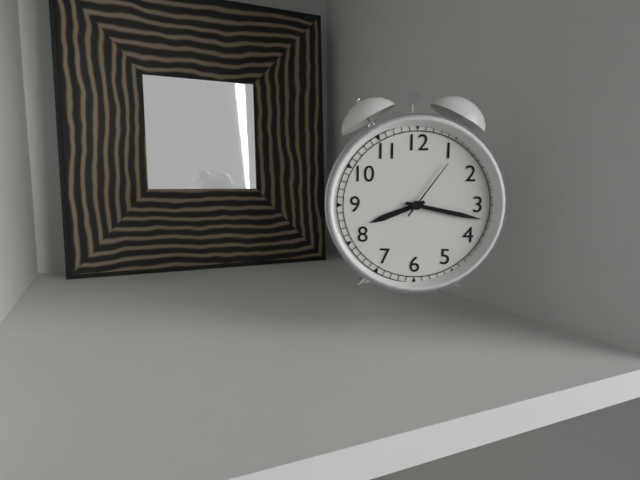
8,17,06
